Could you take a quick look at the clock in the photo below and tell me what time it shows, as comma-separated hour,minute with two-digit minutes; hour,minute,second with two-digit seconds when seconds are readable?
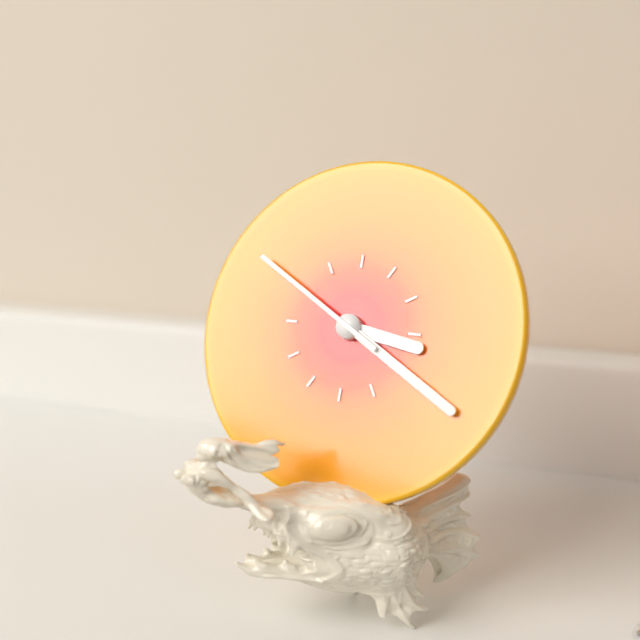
3,20,50
